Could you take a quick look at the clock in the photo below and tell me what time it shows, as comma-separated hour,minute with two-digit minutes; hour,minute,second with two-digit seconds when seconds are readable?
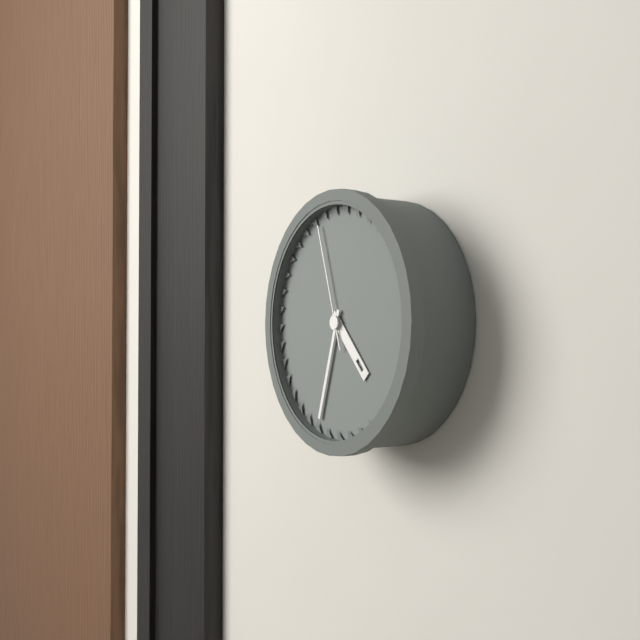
4,33,57
